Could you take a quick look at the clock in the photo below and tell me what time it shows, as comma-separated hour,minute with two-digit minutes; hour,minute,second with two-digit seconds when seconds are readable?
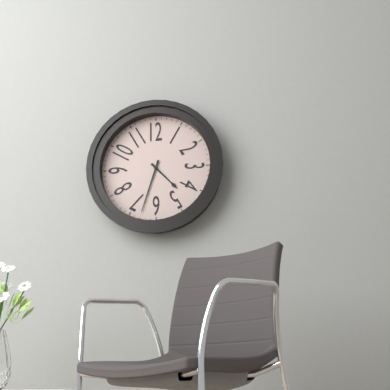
4,33
